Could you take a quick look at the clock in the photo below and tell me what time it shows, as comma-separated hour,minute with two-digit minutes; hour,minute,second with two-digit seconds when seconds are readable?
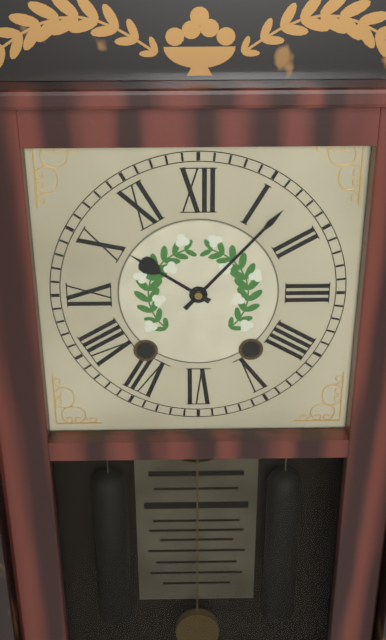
10,07
